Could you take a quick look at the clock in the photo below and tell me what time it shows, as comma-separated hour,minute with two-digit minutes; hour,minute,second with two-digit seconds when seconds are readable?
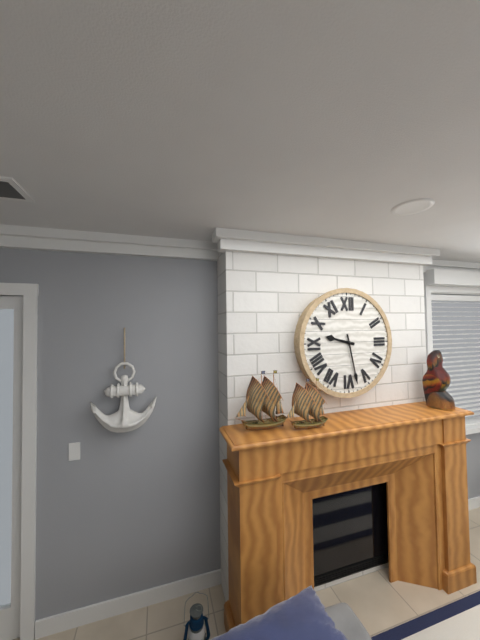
9,28
